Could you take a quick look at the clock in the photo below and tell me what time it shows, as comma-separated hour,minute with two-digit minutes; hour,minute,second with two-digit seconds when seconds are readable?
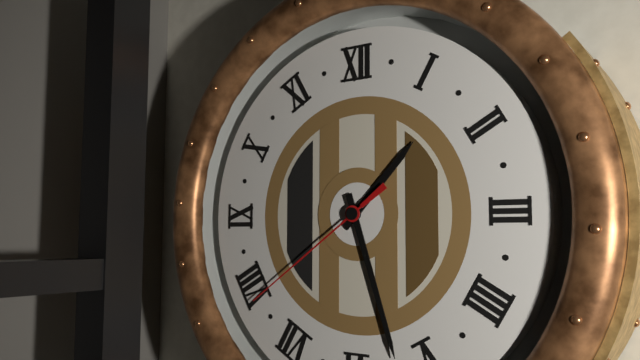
1,27,39
